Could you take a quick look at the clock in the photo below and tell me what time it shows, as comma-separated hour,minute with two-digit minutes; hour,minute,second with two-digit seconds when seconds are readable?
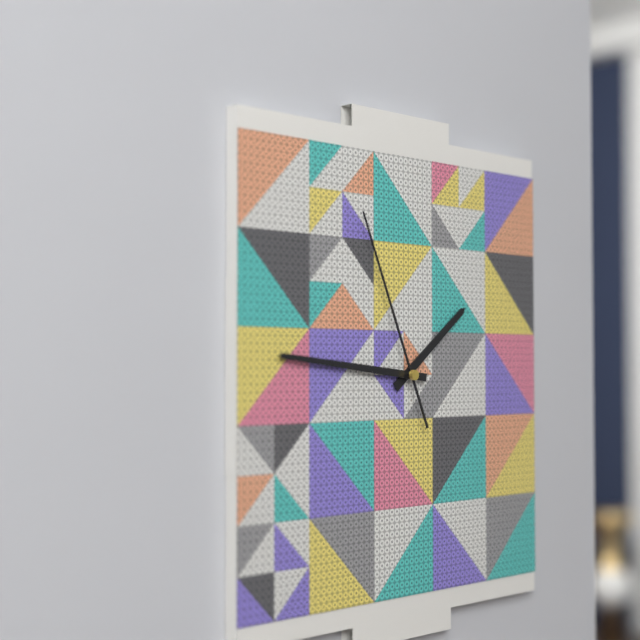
1,46,56
